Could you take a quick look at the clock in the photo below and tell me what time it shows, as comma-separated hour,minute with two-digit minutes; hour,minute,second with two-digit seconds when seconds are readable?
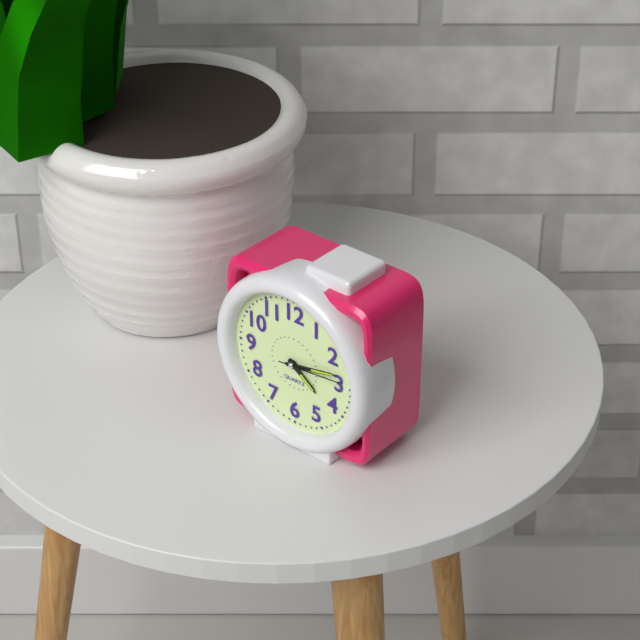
4,13,14
